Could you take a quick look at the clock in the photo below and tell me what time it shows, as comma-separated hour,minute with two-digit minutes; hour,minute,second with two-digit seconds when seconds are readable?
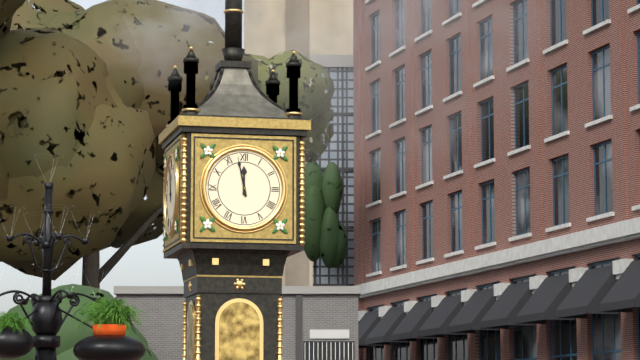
11,58
